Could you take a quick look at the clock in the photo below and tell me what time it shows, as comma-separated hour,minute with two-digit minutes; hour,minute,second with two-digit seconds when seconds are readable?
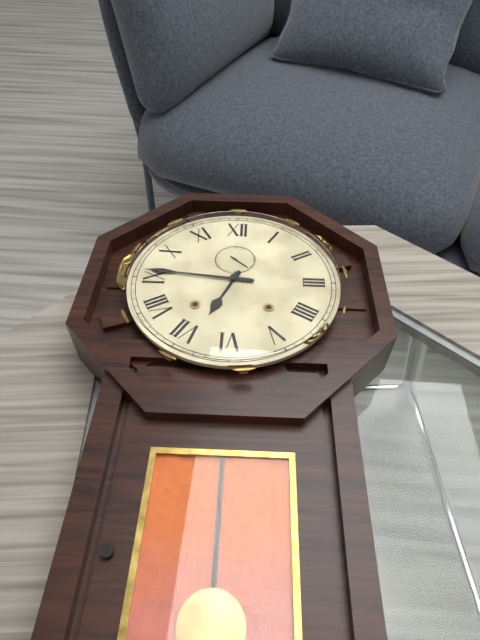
6,46
